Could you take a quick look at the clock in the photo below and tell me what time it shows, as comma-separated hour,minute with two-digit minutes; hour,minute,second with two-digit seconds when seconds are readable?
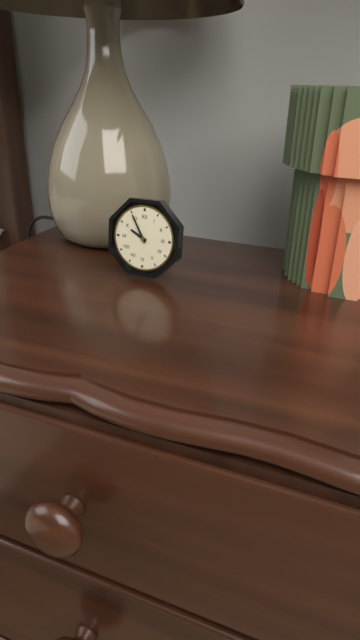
9,55
